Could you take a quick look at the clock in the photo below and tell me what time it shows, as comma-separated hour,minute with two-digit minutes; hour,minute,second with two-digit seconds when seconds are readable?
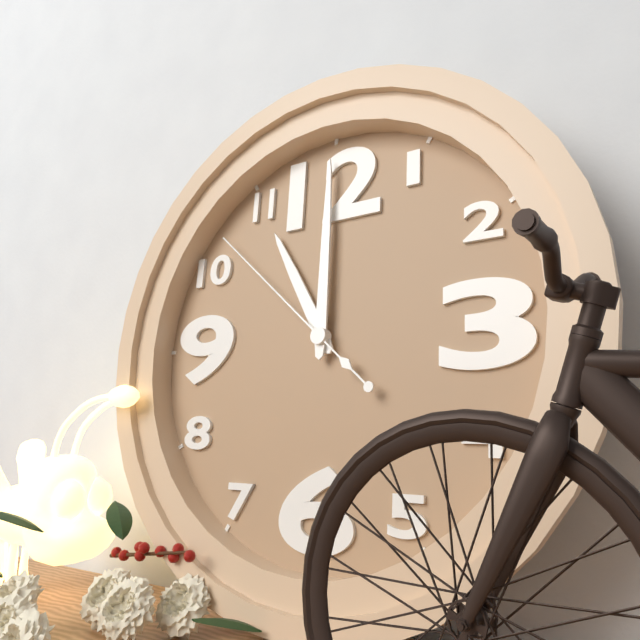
11,00,52
